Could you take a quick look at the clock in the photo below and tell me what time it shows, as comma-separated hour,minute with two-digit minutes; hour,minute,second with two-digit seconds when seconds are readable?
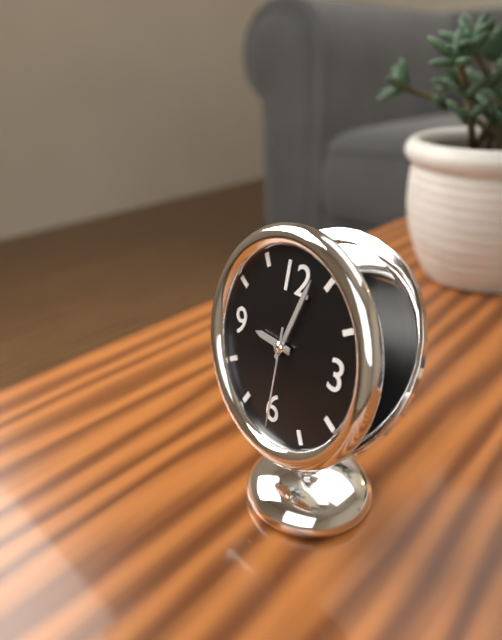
9,03,30
